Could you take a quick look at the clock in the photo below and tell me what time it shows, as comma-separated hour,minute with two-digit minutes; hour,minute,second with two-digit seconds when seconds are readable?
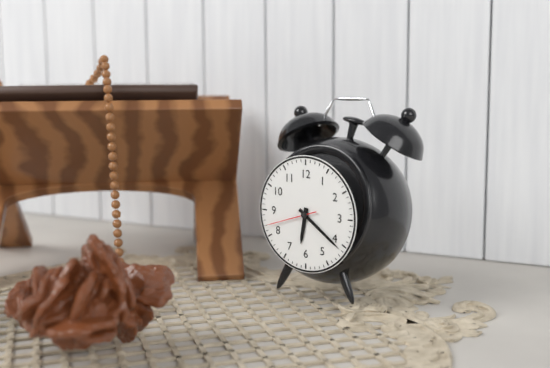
6,21,42
